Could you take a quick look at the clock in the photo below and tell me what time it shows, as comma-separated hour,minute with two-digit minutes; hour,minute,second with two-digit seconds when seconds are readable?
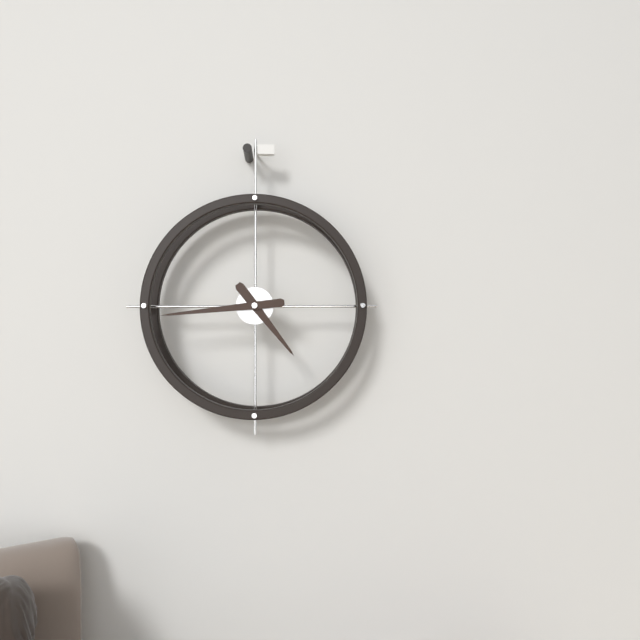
4,44
